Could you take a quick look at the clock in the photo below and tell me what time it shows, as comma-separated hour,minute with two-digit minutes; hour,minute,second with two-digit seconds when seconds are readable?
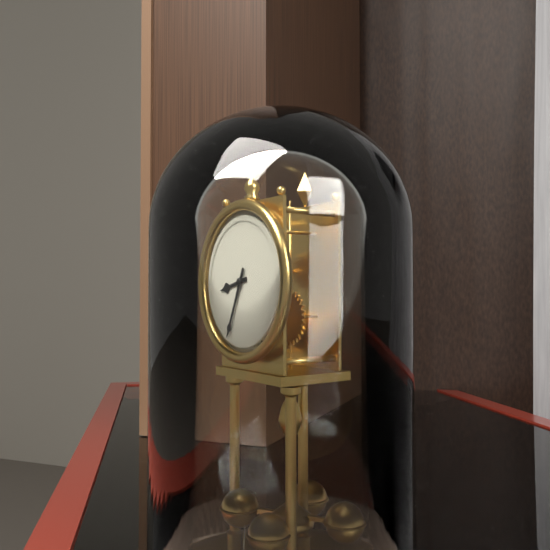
8,34
